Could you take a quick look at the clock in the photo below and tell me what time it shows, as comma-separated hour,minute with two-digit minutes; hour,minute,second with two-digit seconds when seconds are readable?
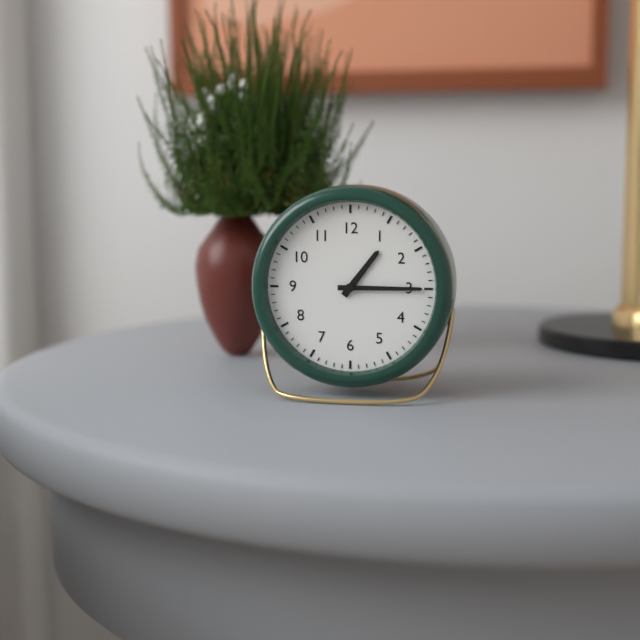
1,15
